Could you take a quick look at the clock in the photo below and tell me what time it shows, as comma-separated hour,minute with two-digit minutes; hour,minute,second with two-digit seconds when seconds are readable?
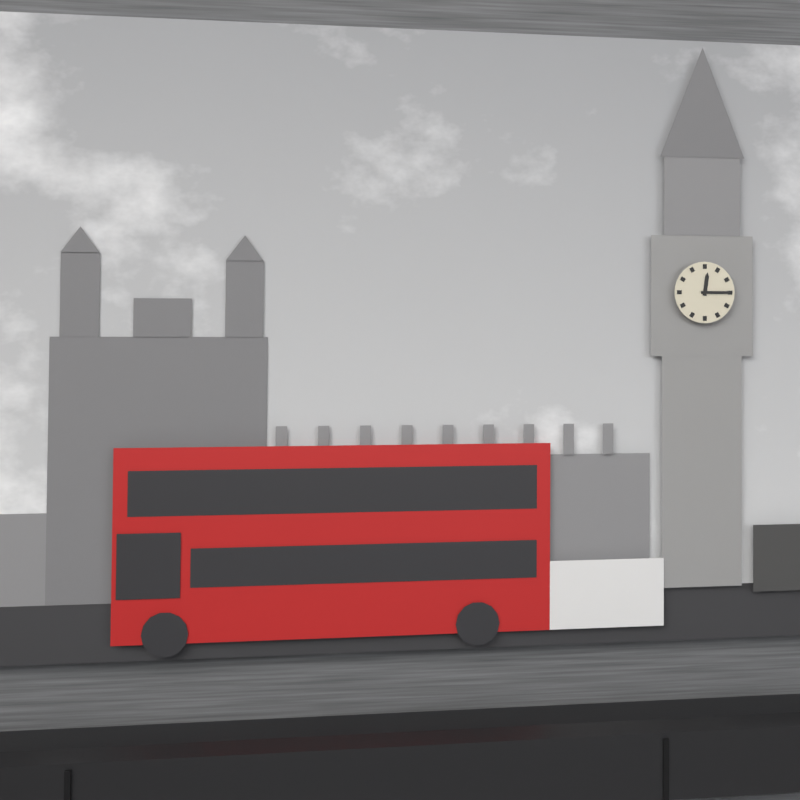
12,15
